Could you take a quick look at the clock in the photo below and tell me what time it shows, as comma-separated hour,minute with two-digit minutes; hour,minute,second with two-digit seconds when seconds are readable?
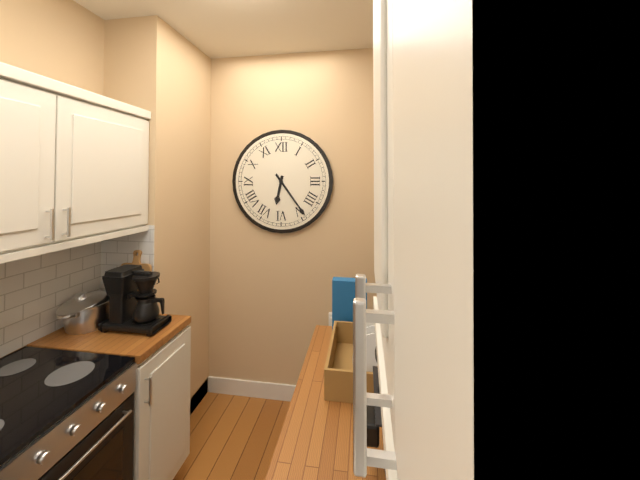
6,24
